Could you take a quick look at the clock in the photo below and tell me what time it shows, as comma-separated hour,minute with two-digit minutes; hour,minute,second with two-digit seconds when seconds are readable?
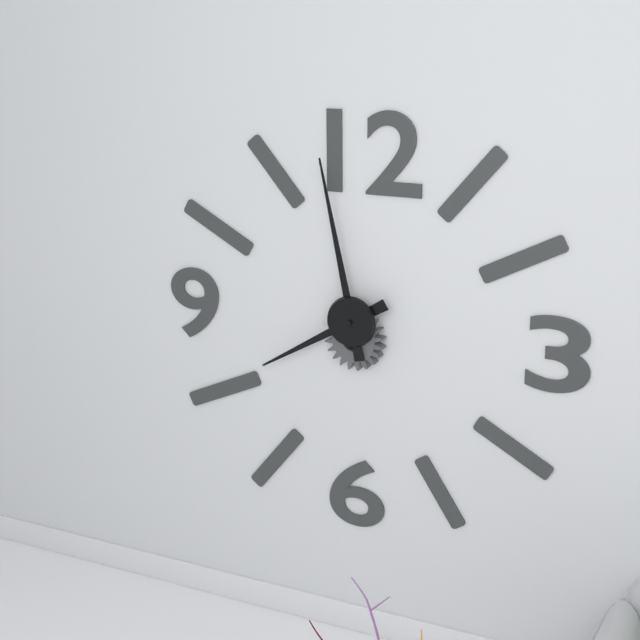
7,58
